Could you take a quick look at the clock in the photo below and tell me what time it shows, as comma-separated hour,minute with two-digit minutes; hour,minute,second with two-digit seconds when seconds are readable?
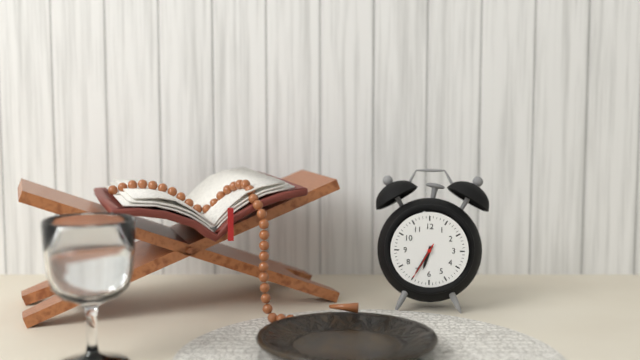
6,35
